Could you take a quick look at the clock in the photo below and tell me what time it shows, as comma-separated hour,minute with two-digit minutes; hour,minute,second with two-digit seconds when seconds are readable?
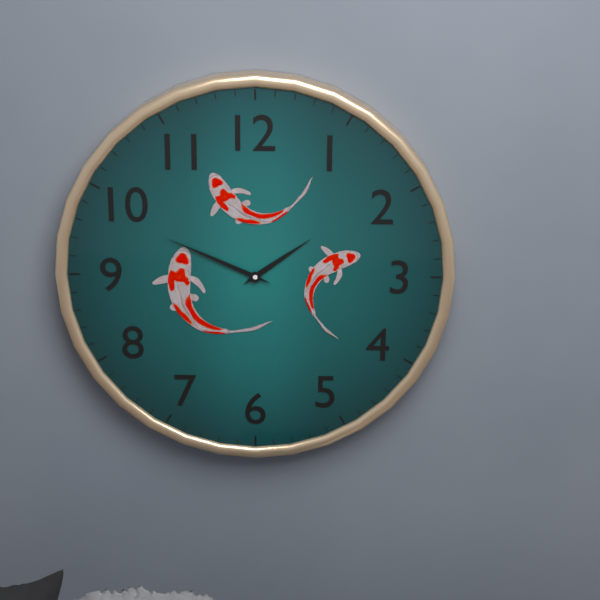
1,49
